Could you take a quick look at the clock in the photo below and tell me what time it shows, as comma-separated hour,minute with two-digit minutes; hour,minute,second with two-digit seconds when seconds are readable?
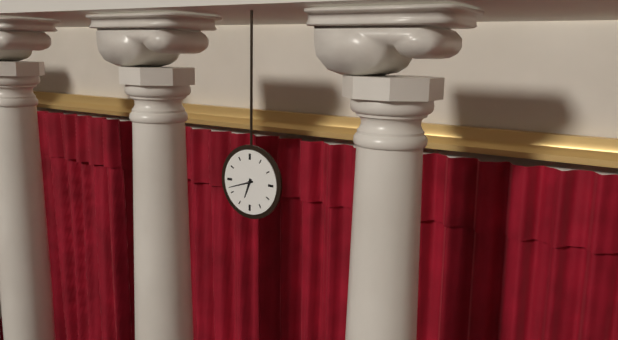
6,42
